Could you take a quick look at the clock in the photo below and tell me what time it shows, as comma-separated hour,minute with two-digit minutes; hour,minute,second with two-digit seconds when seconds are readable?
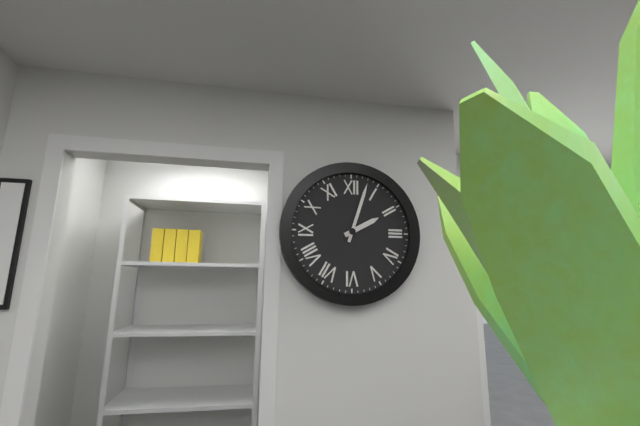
2,03
